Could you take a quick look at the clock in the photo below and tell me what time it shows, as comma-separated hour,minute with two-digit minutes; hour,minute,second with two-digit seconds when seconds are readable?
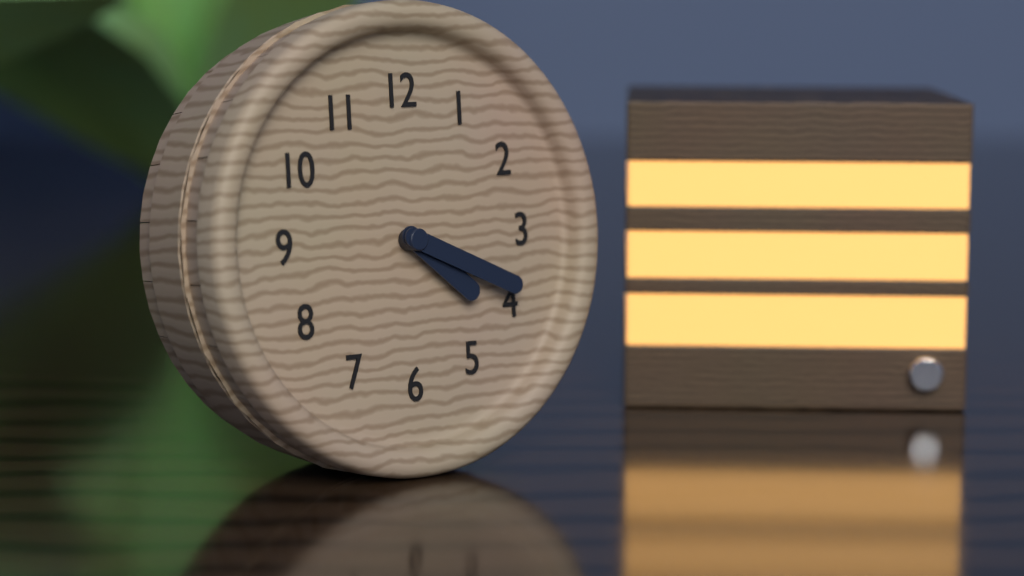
4,19
